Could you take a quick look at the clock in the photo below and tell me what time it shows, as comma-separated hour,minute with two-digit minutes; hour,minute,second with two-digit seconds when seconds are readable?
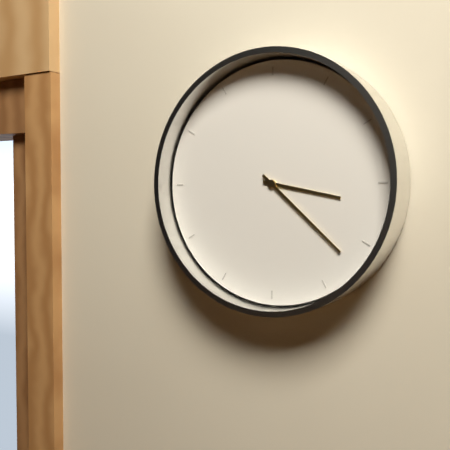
3,22
